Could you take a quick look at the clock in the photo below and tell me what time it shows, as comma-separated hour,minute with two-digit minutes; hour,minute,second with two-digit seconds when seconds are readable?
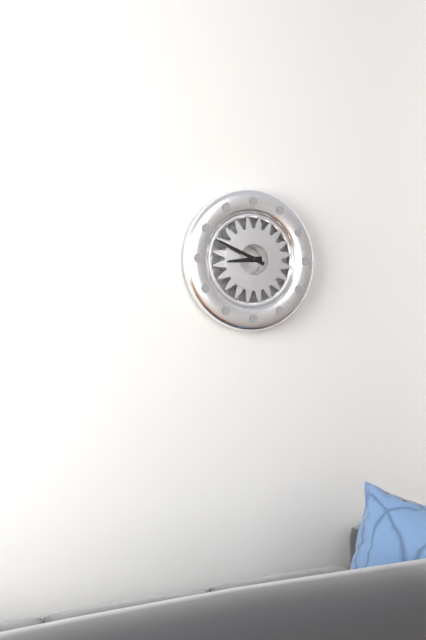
8,49
